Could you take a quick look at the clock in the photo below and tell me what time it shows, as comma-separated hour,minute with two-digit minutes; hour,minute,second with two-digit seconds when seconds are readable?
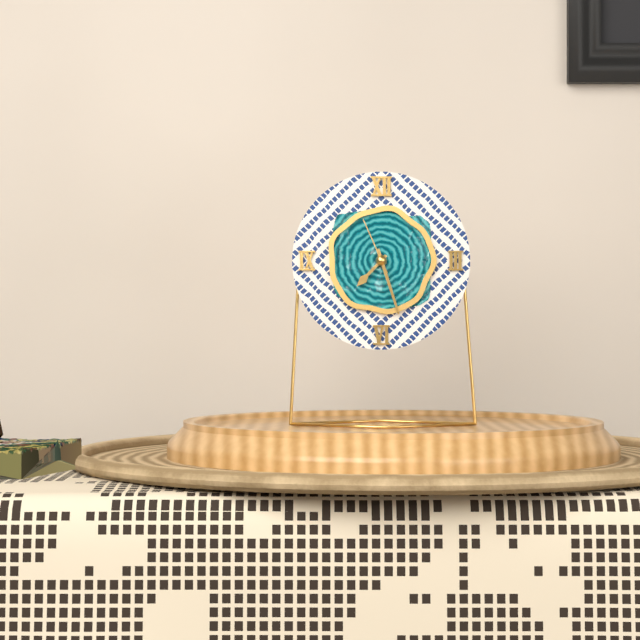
7,27,56
